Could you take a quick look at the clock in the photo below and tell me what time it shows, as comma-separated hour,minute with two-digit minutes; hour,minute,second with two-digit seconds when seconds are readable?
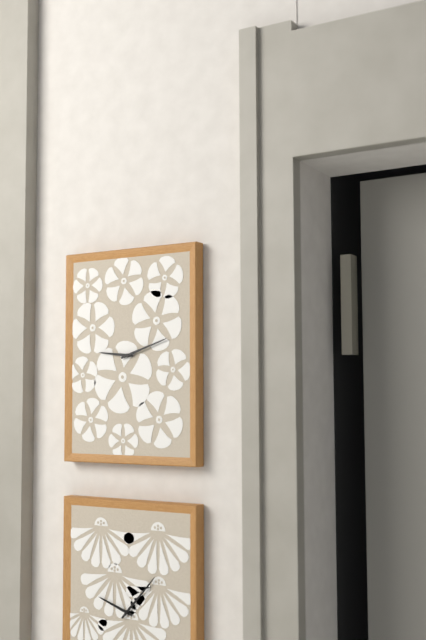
9,12
